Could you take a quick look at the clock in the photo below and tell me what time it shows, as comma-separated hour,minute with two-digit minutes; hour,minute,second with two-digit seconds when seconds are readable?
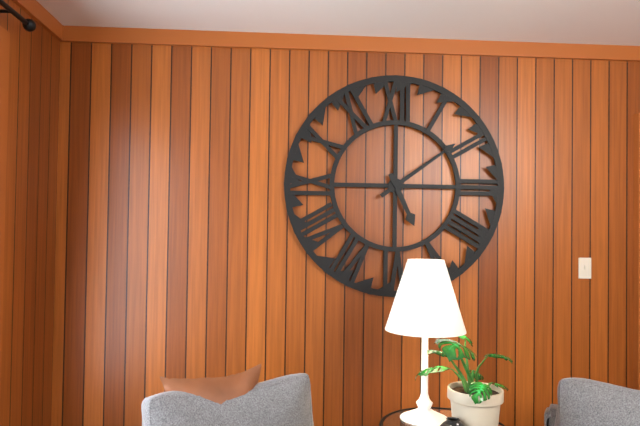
5,09
